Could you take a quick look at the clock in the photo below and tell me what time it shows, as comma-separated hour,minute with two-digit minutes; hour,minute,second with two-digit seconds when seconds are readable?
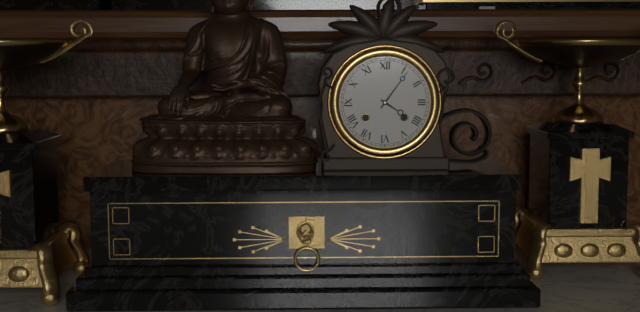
4,06
